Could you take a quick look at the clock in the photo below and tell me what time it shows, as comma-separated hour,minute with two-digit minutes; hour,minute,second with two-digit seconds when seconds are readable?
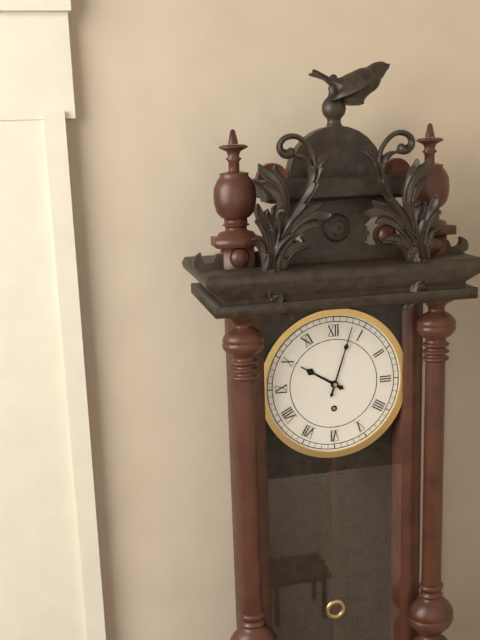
10,03
